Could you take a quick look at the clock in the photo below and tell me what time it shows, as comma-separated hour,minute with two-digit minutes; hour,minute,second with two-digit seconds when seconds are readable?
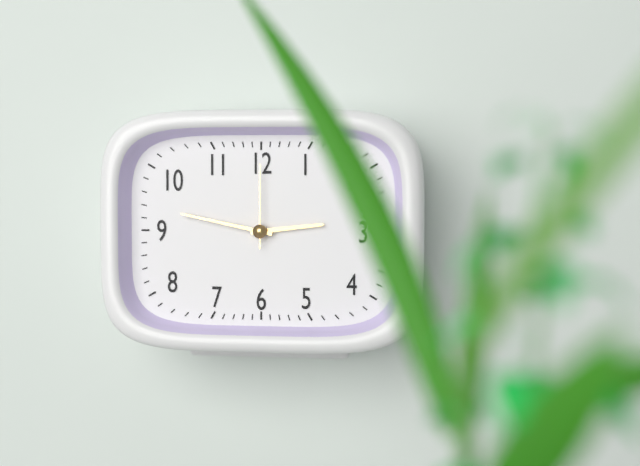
2,47,00
